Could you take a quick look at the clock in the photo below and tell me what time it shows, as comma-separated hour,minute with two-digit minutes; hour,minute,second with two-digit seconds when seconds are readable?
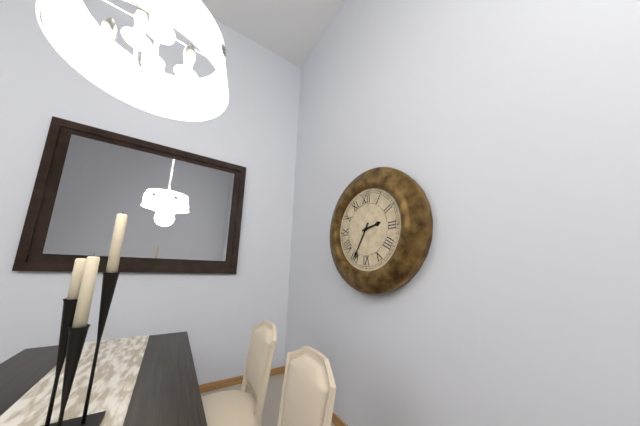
2,35
